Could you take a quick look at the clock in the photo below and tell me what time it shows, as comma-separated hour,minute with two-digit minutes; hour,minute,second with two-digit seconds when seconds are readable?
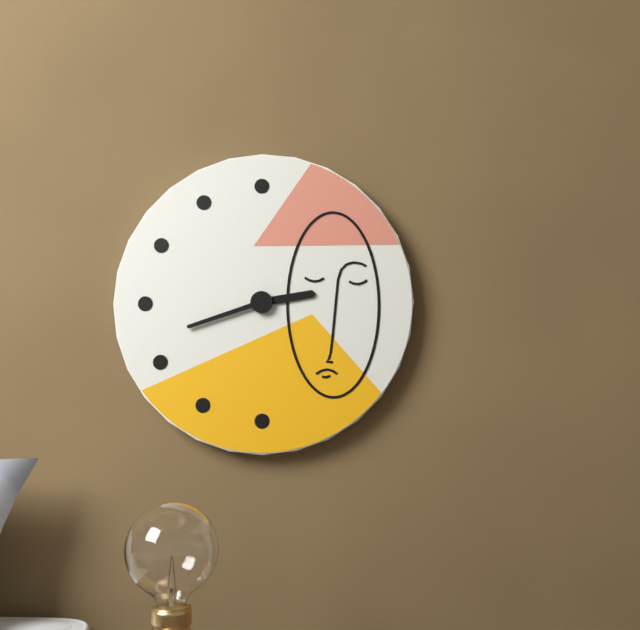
2,42
